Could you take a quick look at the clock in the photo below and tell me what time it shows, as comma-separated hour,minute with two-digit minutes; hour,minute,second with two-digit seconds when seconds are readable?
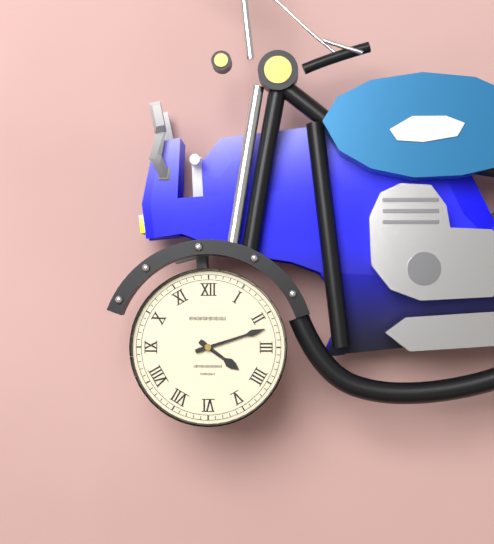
4,12
